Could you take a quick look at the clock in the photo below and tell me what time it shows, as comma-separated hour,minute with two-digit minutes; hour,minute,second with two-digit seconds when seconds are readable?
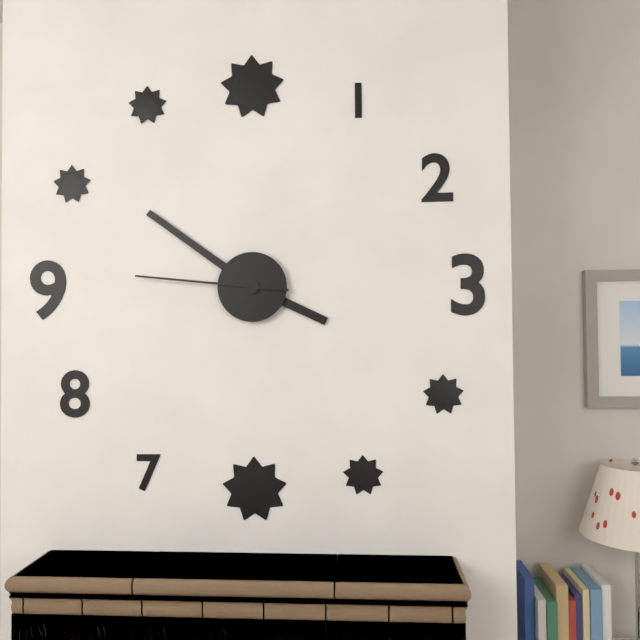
3,51,46
